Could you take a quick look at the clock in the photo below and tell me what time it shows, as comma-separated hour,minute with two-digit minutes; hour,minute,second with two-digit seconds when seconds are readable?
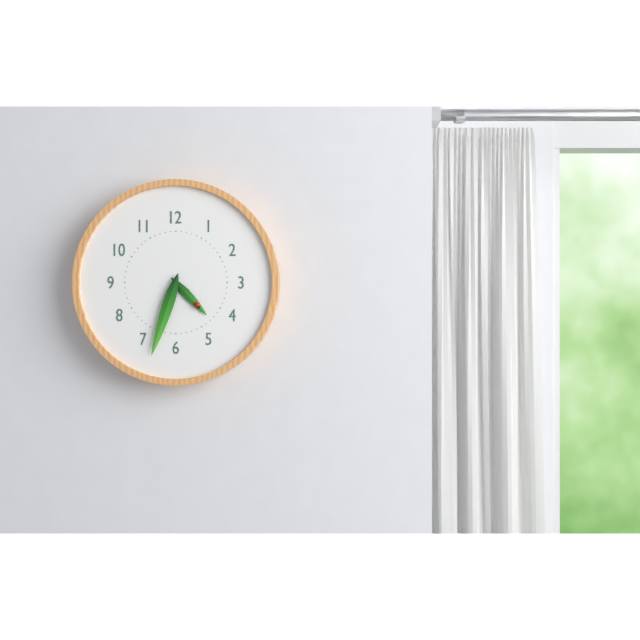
4,33
